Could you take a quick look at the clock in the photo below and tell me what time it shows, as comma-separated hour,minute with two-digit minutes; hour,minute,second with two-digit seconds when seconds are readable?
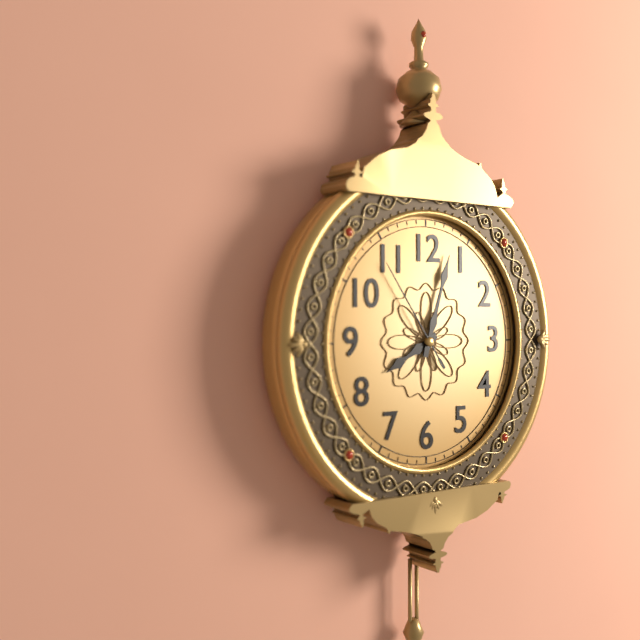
8,03,54
